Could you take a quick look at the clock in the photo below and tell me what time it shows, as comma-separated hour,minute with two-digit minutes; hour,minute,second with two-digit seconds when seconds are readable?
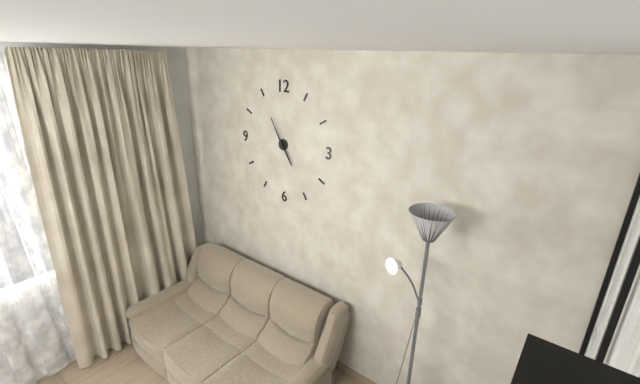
4,55
